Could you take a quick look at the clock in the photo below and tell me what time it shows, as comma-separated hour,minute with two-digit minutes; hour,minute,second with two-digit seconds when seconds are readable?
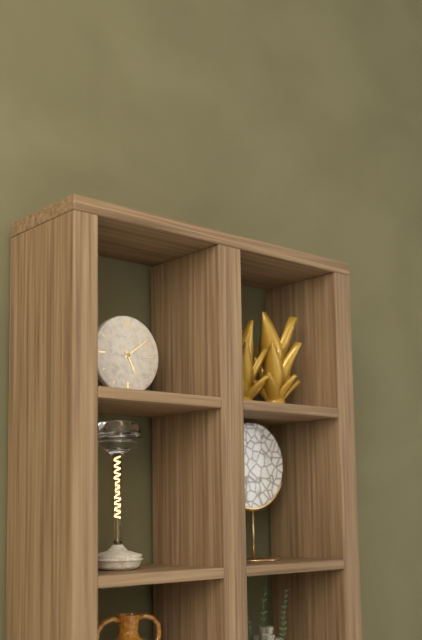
5,09
